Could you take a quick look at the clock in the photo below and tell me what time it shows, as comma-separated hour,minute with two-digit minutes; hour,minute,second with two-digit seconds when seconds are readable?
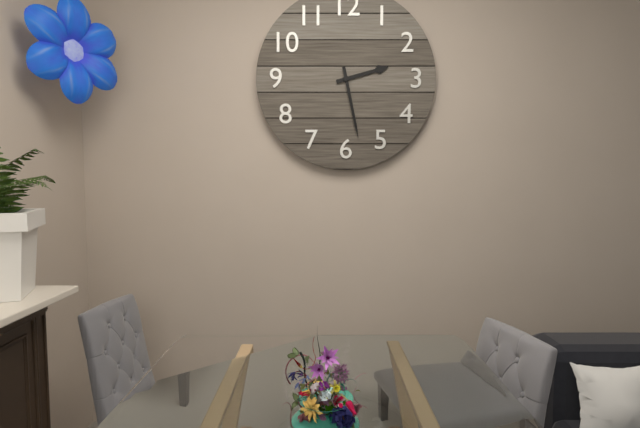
2,28
